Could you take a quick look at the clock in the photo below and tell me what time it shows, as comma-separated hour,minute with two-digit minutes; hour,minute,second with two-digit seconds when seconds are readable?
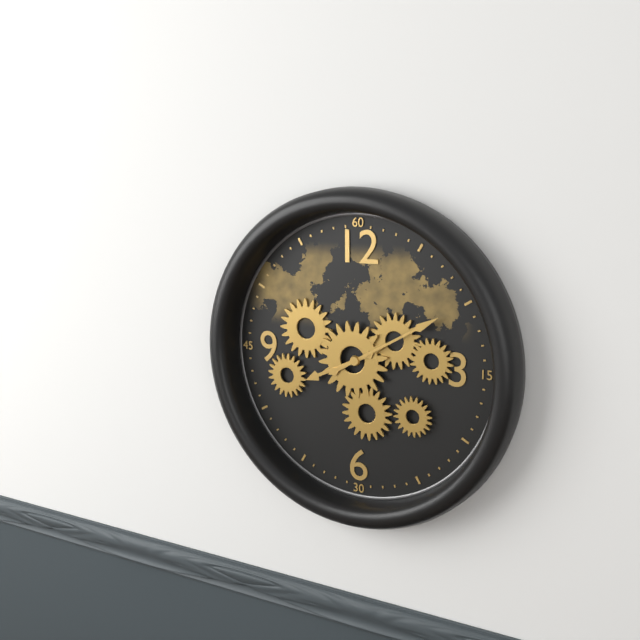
8,10
